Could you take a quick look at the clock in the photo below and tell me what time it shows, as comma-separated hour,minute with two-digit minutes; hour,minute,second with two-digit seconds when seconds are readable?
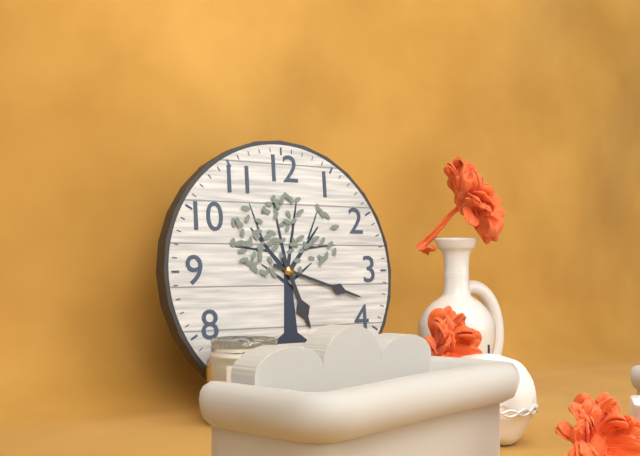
5,18
